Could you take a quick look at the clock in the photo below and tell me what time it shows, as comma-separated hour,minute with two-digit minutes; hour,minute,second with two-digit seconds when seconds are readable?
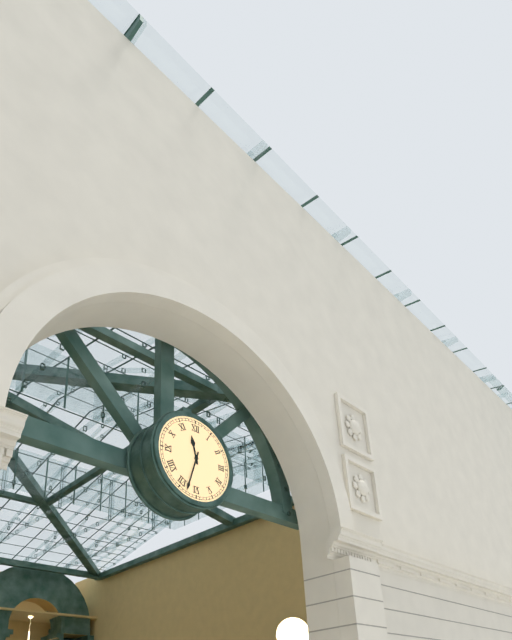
11,33
